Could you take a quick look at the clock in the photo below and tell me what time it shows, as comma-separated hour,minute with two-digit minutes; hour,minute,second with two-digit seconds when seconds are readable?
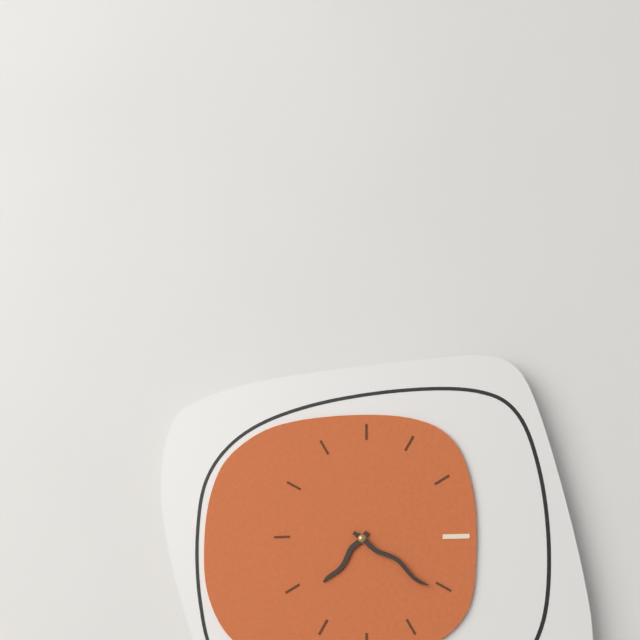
7,21
